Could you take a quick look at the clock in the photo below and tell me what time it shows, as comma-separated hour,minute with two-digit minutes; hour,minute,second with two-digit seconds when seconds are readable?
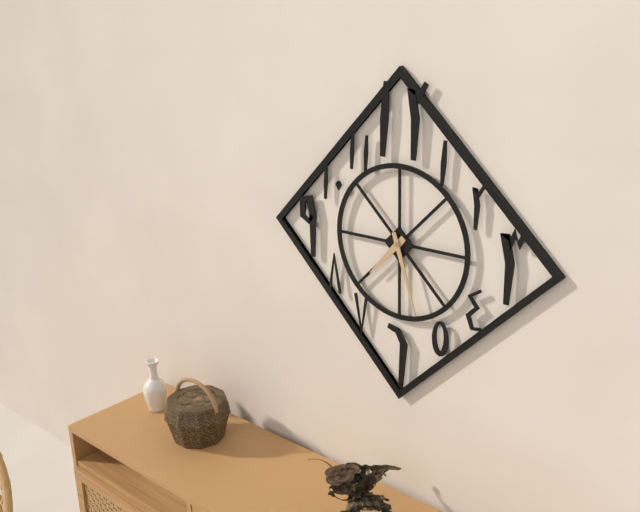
7,27
